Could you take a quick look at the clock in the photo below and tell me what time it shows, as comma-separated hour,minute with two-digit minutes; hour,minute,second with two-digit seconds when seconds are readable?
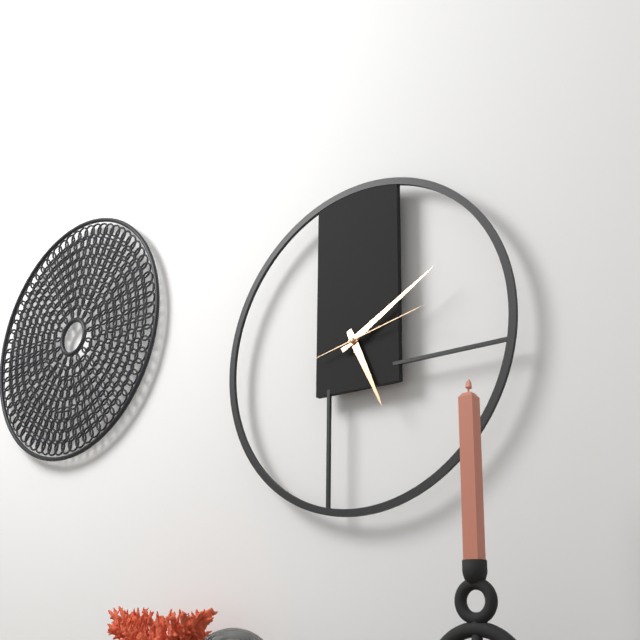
5,10,13
